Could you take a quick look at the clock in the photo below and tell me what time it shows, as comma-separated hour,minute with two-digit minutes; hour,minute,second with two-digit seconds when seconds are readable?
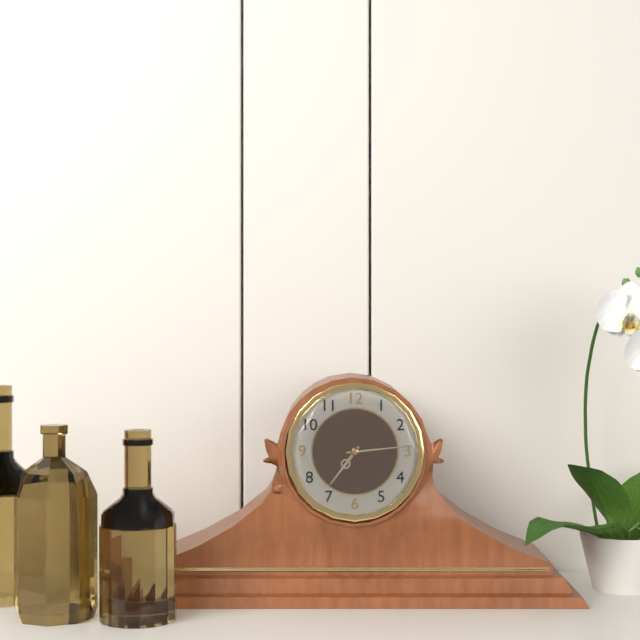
7,14
